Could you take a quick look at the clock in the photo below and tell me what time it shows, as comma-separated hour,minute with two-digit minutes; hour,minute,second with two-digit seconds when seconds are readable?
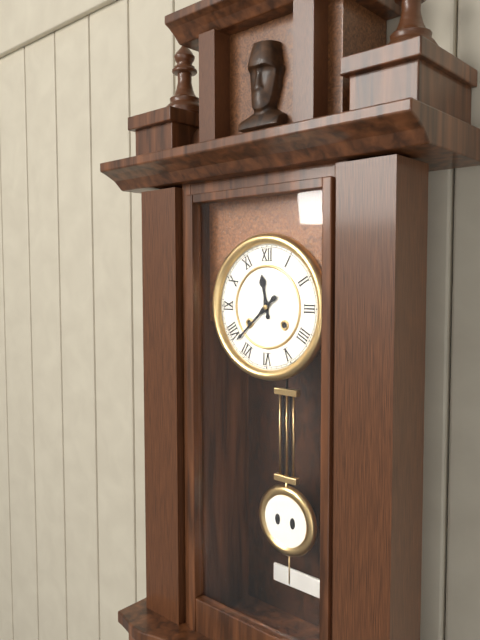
11,38
